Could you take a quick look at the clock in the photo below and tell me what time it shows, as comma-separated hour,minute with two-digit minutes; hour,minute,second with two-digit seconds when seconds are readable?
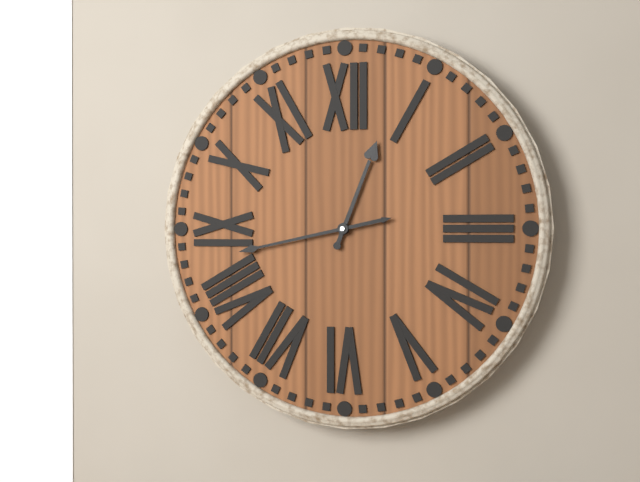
12,43
